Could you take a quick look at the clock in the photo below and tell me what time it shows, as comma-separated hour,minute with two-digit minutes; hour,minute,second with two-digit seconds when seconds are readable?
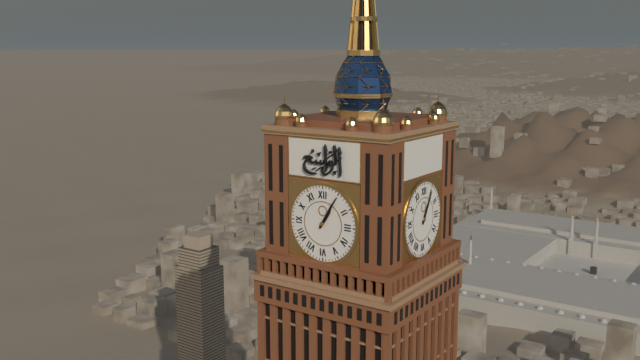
1,05
